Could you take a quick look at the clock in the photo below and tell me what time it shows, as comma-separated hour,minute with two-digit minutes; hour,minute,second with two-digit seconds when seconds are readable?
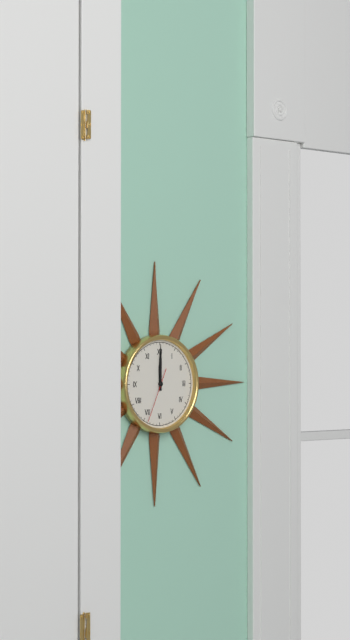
12,00
